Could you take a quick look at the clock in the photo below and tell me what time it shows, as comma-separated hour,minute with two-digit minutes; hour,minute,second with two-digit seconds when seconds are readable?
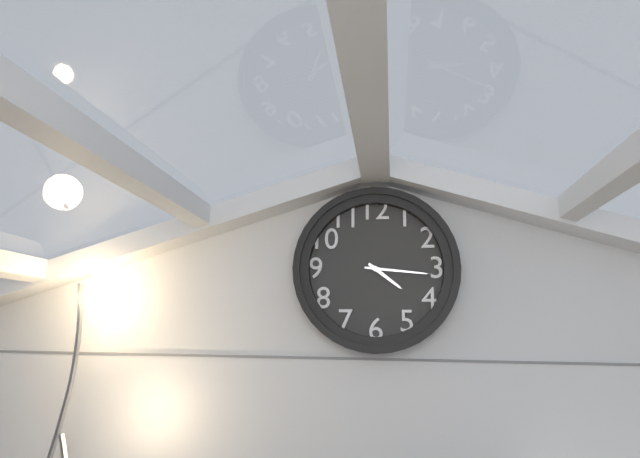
4,16
